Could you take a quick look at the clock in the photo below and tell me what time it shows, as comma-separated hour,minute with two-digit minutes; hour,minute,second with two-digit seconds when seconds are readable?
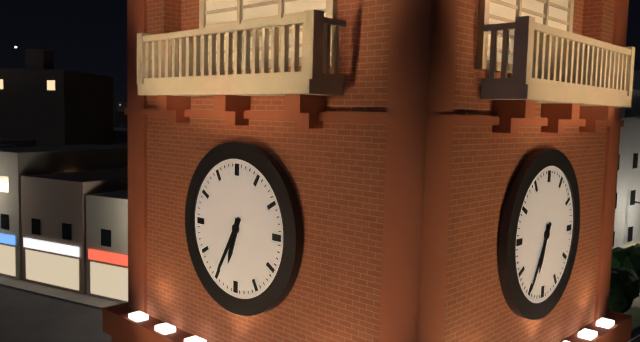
6,35
